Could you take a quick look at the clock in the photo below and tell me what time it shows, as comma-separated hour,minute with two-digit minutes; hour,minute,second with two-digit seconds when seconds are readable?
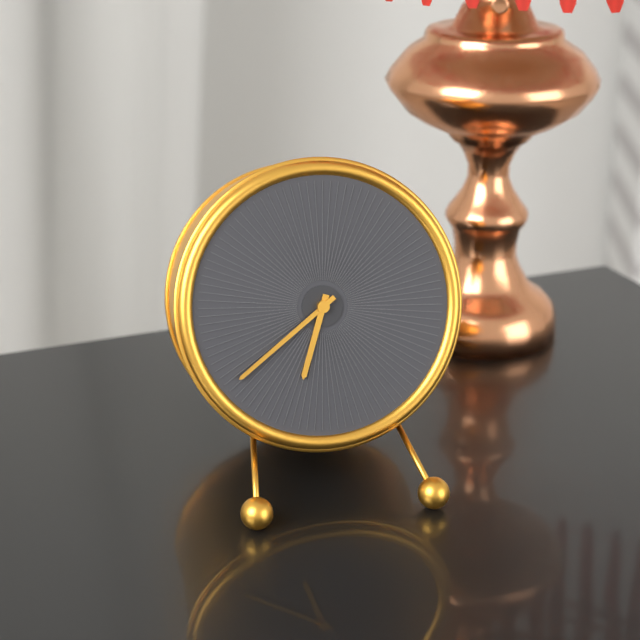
6,39
